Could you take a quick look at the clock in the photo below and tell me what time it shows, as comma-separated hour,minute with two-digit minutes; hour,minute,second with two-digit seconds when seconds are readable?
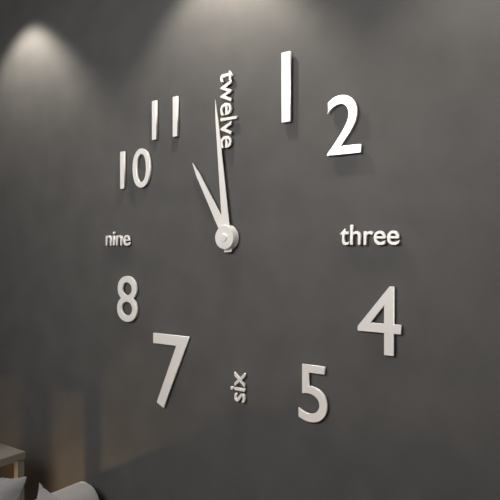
10,59
